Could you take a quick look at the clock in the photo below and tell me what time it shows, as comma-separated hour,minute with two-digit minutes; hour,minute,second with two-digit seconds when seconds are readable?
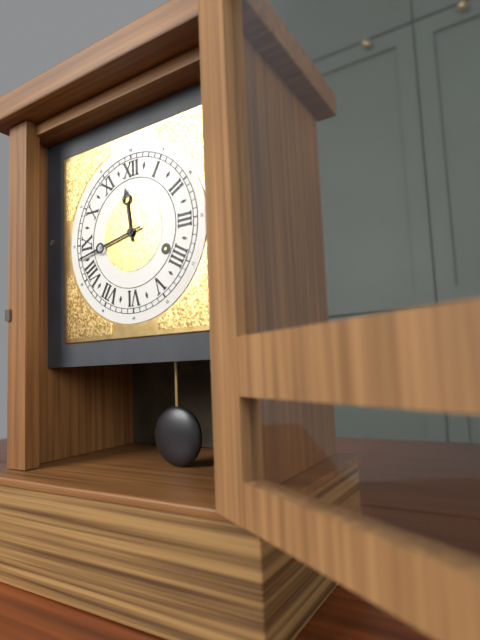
11,43
